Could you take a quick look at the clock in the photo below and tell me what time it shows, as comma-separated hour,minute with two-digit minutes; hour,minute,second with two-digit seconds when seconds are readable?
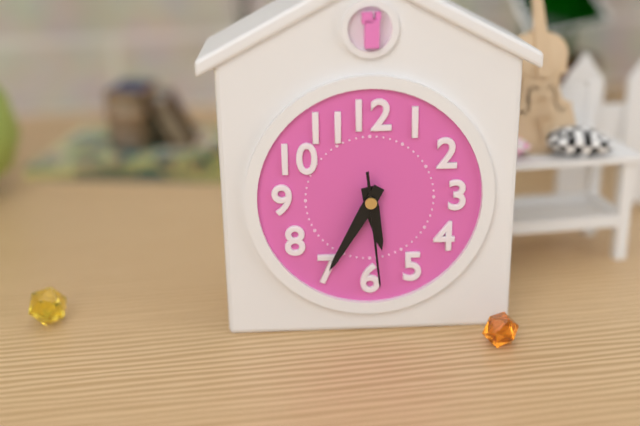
5,35,29
